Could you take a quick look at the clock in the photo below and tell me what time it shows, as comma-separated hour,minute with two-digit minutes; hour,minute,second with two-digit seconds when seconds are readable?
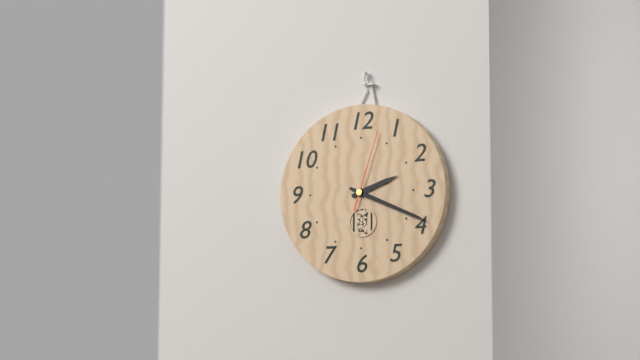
2,19,03
